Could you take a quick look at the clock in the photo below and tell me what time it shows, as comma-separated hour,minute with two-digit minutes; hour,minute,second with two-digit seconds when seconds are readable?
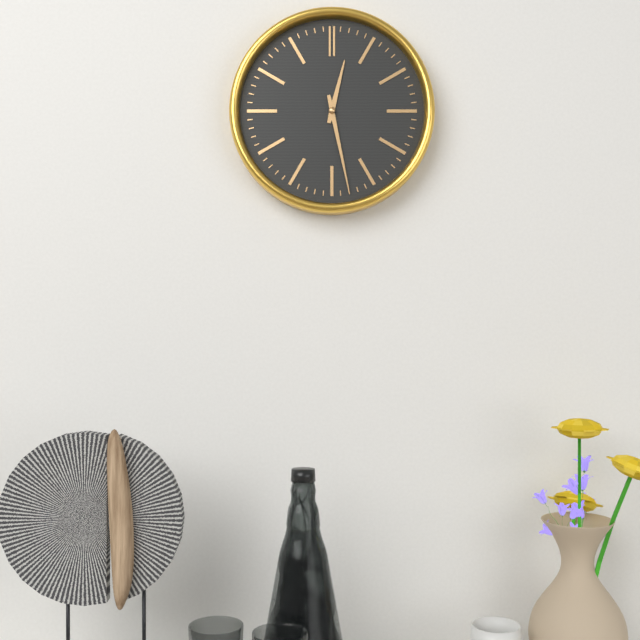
12,28
